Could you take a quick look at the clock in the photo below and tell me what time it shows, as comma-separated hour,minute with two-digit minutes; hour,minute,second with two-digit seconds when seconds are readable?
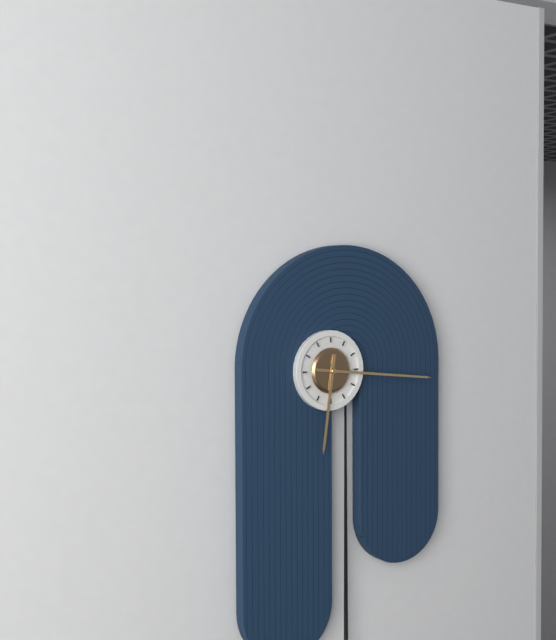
6,16
